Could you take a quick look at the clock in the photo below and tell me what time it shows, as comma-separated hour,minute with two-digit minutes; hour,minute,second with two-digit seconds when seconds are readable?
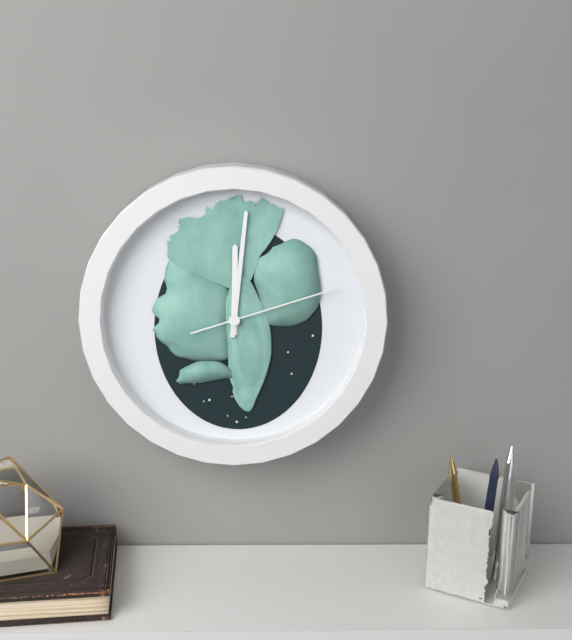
12,01,12
